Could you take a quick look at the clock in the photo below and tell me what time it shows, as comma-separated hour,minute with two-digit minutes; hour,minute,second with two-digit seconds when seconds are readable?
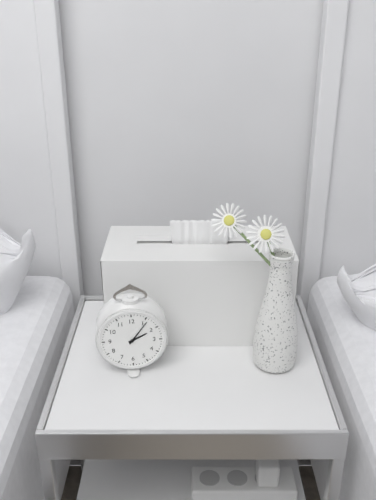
2,06
